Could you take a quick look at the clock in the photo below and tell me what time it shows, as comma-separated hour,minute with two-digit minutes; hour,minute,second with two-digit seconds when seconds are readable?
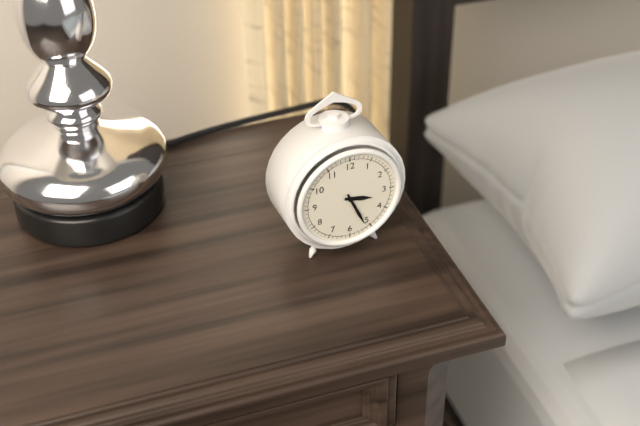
3,26
